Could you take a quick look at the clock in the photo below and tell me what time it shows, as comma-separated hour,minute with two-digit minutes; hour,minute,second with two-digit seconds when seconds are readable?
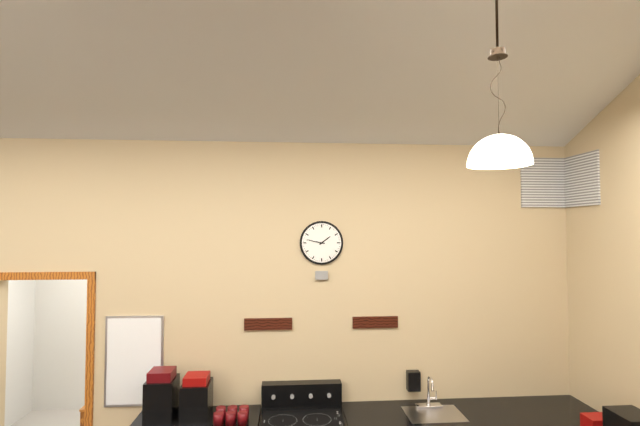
1,47
